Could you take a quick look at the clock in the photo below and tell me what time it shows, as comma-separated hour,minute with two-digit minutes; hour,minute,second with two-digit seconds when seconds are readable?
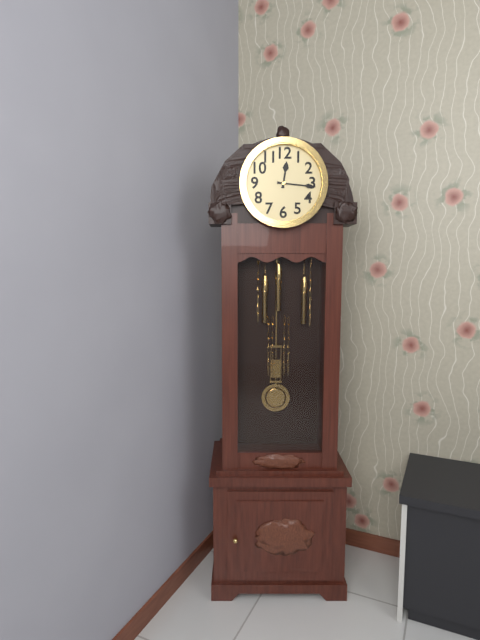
12,16
